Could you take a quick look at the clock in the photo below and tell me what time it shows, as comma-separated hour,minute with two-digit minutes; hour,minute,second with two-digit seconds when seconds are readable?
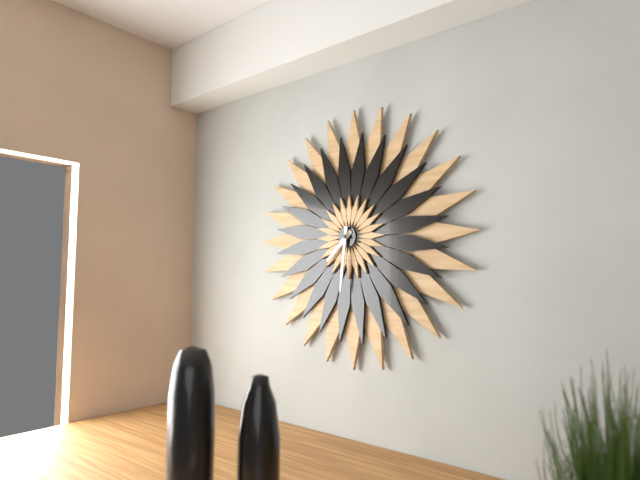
7,31
